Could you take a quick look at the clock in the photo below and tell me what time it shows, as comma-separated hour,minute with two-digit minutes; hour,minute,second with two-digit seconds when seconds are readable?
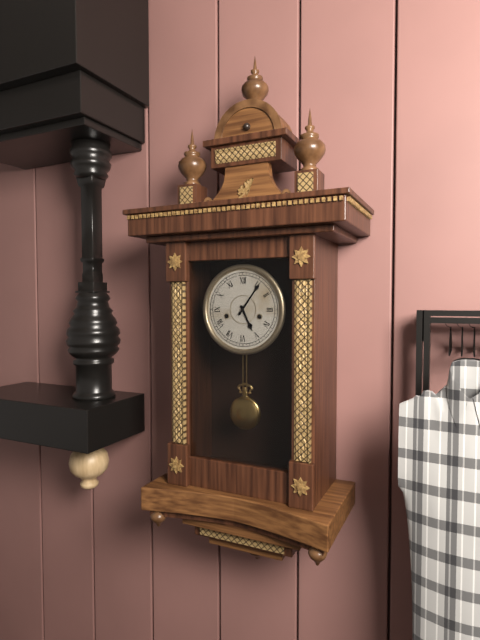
5,06
